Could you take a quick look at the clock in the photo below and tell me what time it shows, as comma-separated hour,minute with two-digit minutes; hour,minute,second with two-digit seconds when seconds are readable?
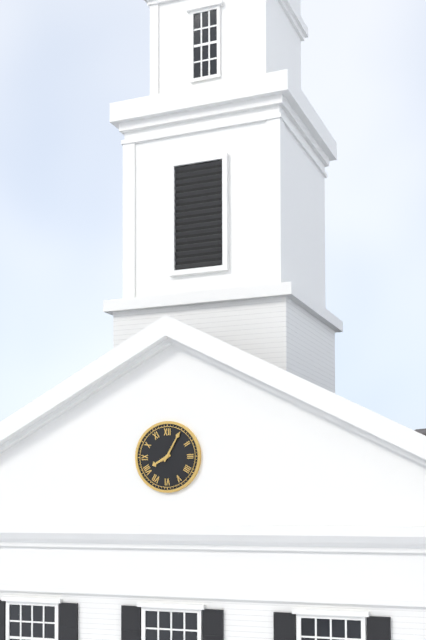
8,05
